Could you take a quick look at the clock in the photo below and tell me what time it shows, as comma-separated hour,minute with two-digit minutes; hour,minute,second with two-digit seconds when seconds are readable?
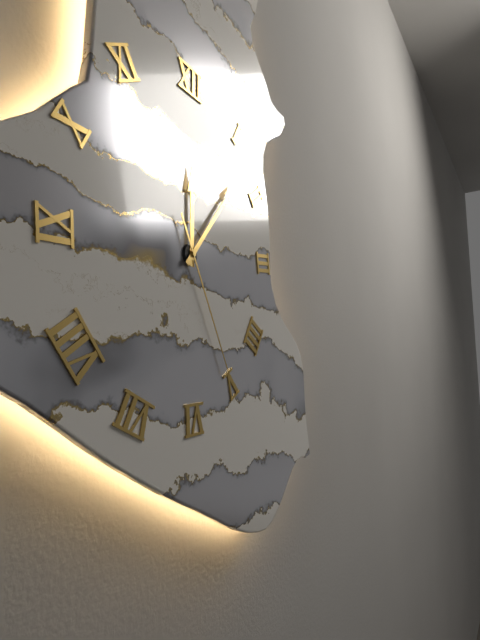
12,07,26
